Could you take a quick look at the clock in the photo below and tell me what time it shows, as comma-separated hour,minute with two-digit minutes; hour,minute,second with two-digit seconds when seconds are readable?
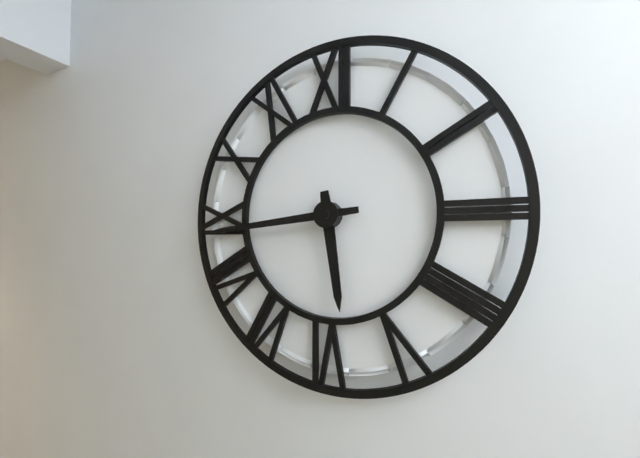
5,44
